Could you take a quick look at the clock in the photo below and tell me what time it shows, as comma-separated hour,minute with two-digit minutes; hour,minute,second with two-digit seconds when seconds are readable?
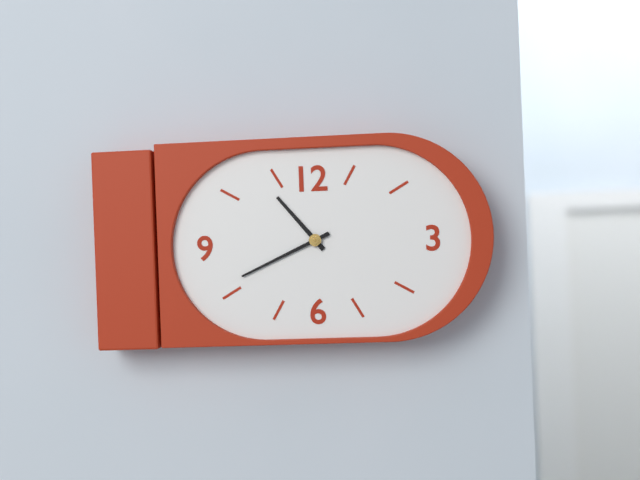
10,41
